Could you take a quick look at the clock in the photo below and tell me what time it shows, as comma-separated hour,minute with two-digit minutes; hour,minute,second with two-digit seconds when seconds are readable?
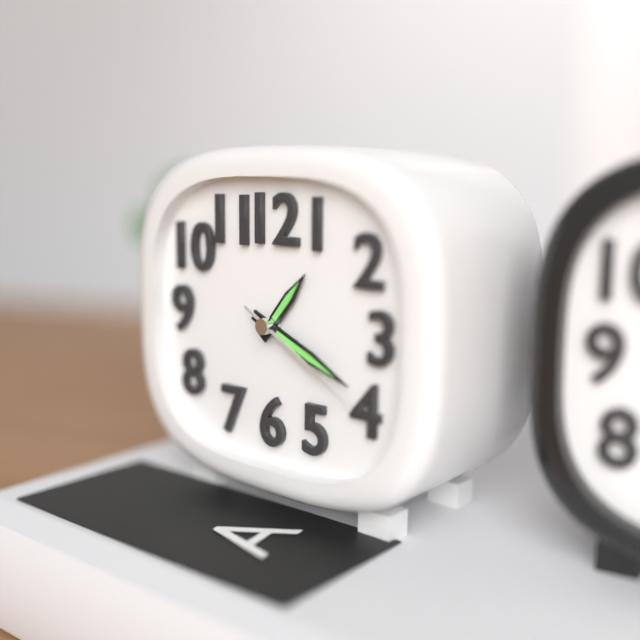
1,19,20
